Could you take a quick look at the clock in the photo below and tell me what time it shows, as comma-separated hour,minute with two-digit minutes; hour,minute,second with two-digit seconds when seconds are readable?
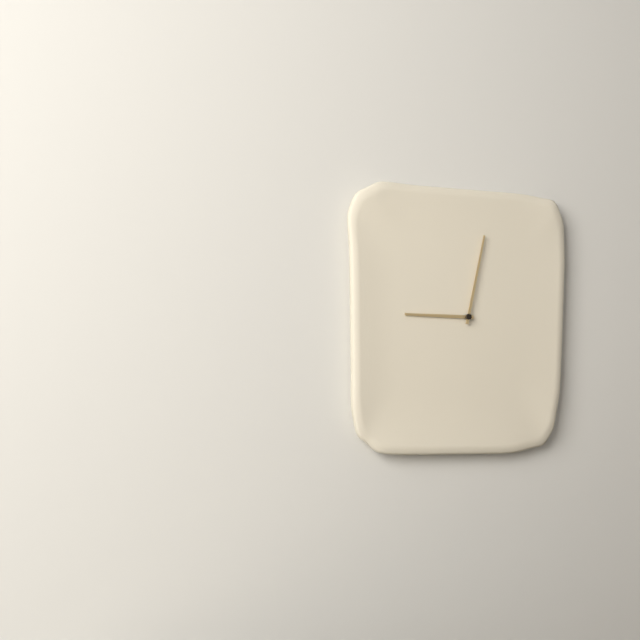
9,02
